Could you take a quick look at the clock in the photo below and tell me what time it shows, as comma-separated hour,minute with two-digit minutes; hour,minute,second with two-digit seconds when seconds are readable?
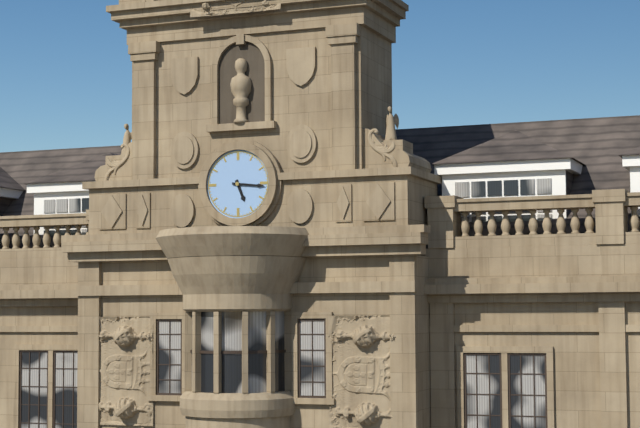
5,16
